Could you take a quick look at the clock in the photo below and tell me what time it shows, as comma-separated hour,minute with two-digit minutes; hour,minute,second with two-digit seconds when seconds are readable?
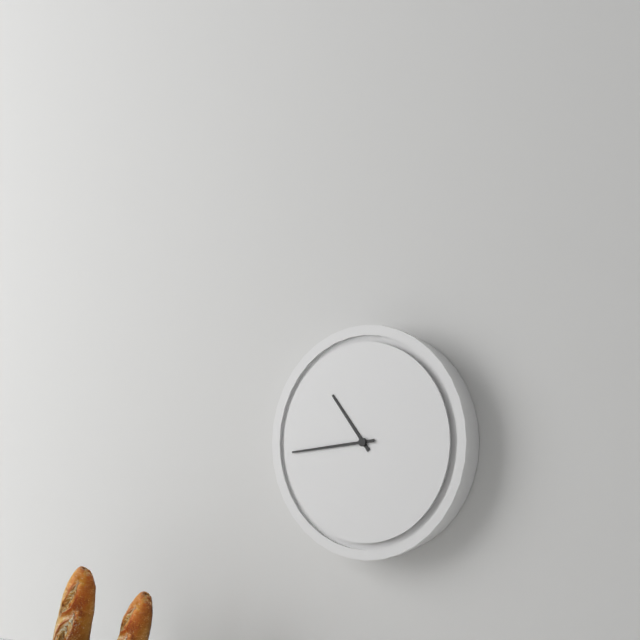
10,44
